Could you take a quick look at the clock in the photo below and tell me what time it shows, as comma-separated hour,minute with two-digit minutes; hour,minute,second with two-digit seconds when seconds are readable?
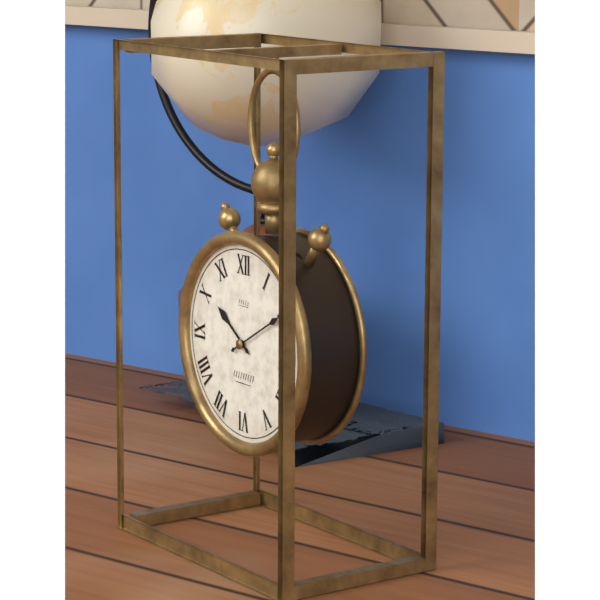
10,10
